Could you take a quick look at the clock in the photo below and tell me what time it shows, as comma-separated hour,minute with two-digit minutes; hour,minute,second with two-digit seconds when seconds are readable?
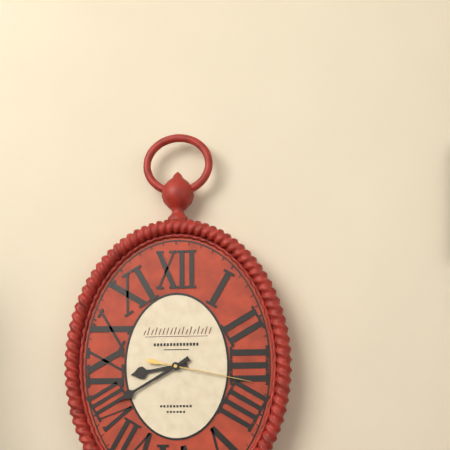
8,40,17
